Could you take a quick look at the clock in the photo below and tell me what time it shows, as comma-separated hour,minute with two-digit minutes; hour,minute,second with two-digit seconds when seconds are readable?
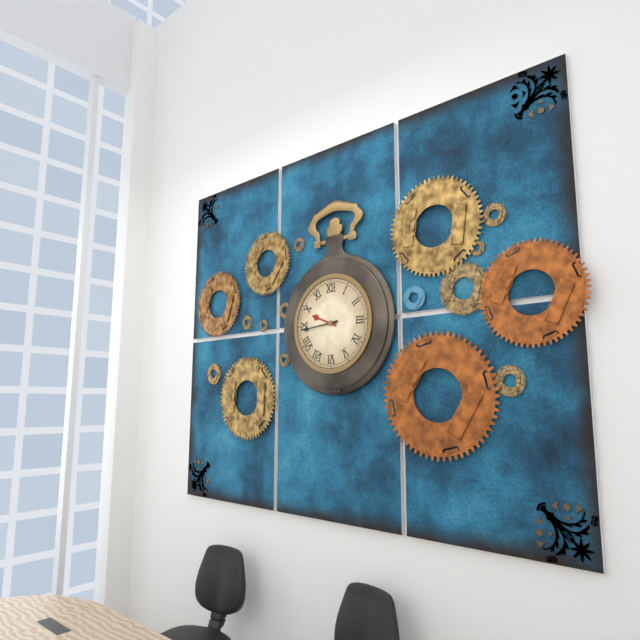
9,44
